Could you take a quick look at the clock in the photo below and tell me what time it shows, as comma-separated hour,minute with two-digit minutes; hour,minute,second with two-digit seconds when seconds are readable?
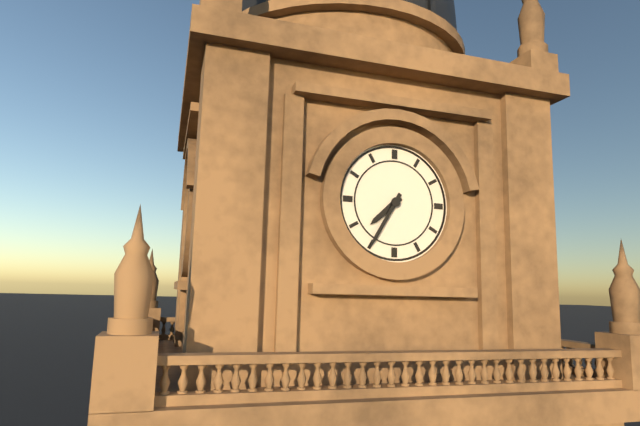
7,35
